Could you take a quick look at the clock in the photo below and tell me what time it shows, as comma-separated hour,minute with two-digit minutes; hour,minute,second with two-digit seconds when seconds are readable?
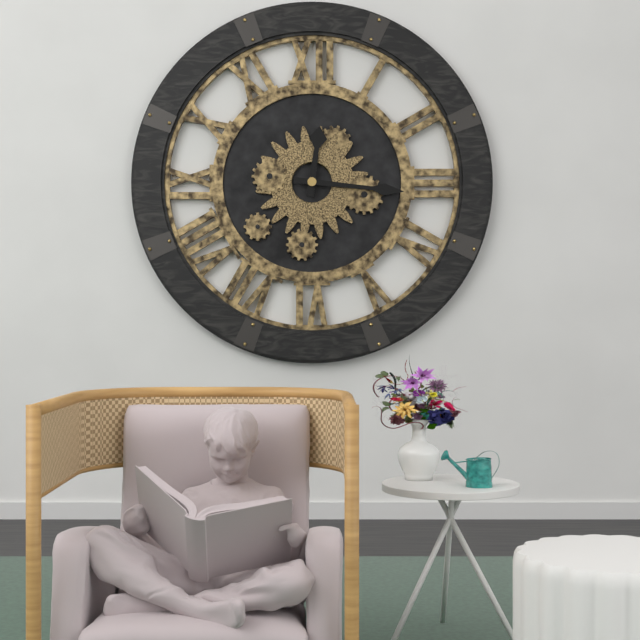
12,16
